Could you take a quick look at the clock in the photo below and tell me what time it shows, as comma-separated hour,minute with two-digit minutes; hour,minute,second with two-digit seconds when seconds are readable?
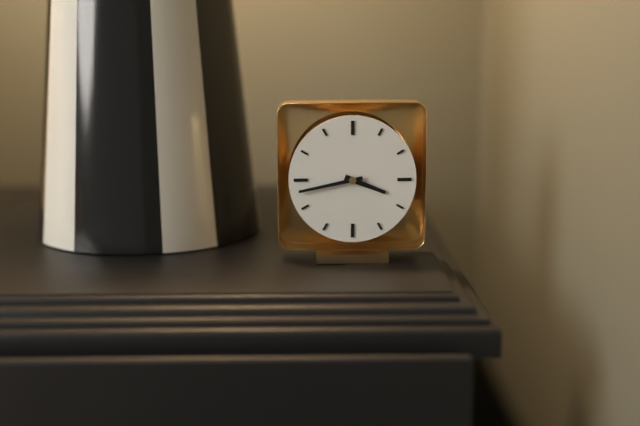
3,43
